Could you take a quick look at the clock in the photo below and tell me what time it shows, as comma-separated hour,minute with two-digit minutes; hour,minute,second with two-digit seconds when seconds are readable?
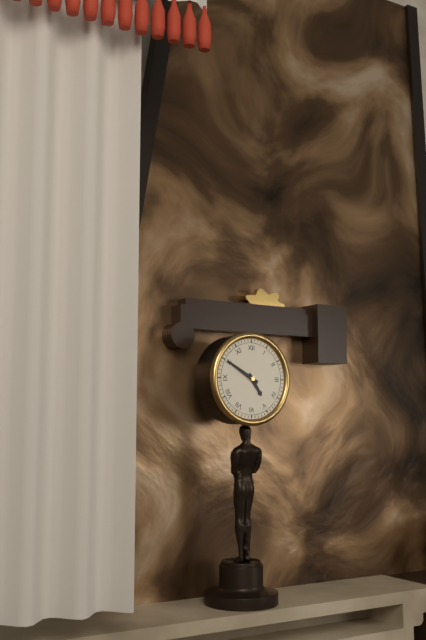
4,50
